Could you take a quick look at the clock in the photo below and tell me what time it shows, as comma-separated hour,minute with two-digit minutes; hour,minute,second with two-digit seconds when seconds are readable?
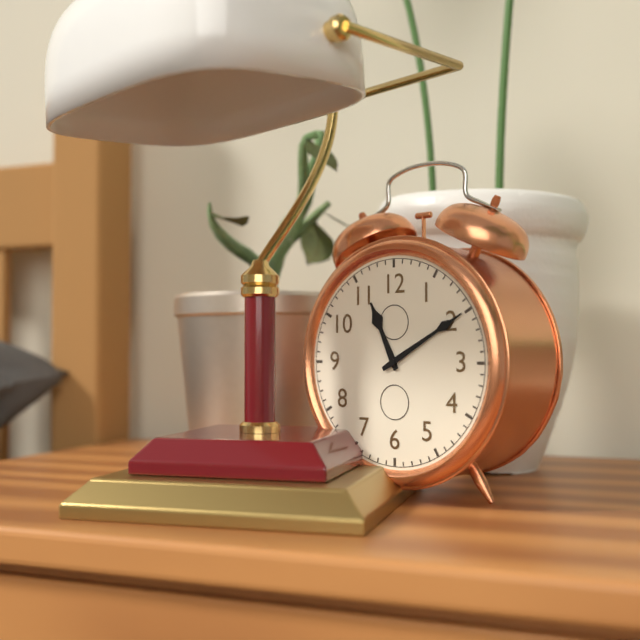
11,10
